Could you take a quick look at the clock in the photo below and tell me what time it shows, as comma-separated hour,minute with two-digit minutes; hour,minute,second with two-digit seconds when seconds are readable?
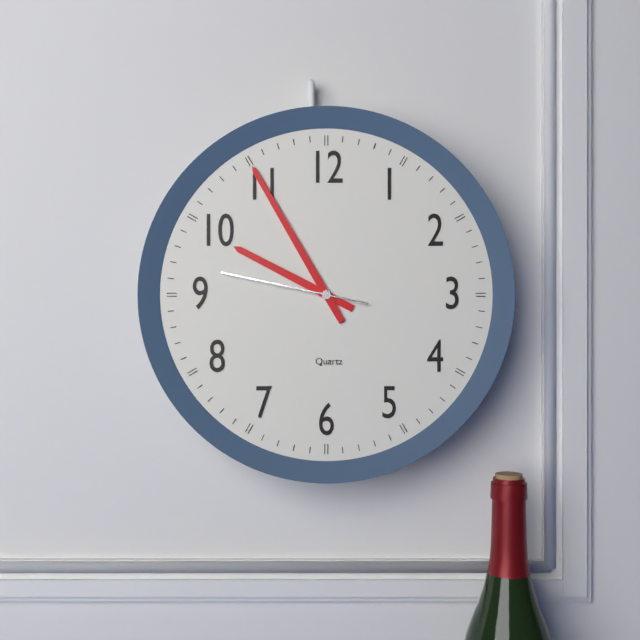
9,55,47
